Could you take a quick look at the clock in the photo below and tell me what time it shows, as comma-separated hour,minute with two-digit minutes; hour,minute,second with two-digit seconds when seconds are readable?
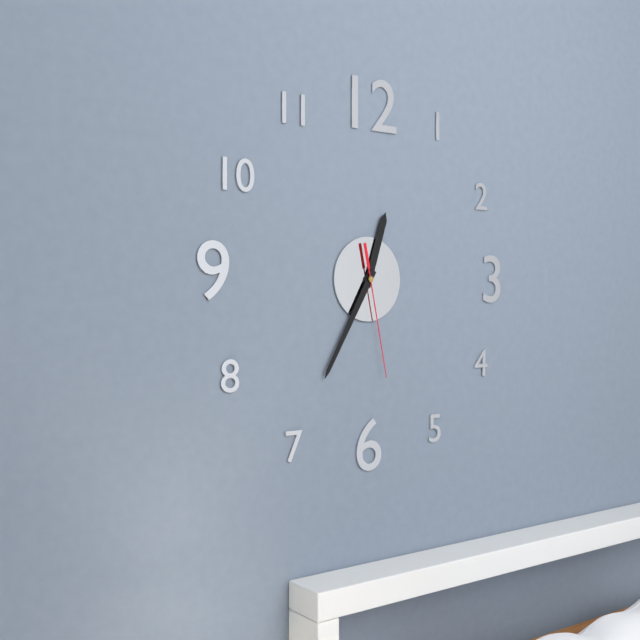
12,35,28
